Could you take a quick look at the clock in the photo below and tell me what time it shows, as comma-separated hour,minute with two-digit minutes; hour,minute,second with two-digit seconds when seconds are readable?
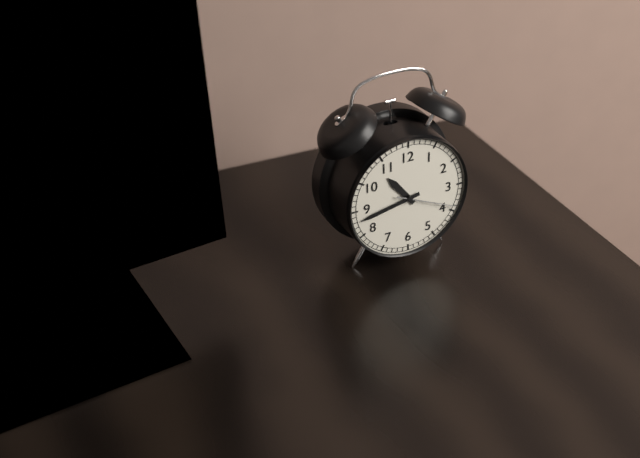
10,43,19
